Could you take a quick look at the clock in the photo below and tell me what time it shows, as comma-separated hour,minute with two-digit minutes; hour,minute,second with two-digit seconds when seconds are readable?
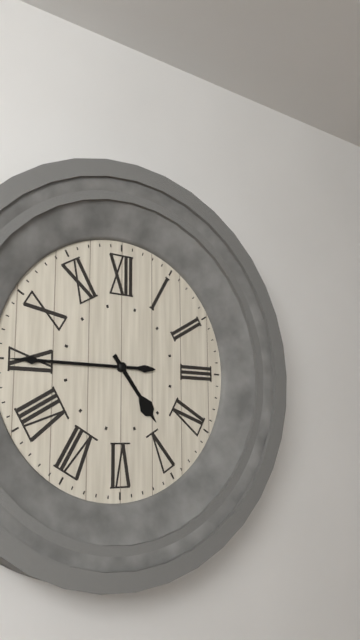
4,45
